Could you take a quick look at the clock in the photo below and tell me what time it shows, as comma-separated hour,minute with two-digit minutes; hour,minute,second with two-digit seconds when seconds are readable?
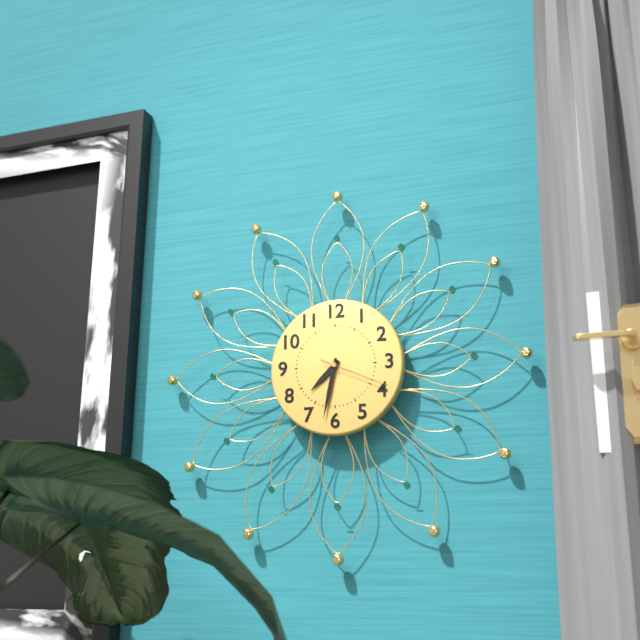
7,32,19
